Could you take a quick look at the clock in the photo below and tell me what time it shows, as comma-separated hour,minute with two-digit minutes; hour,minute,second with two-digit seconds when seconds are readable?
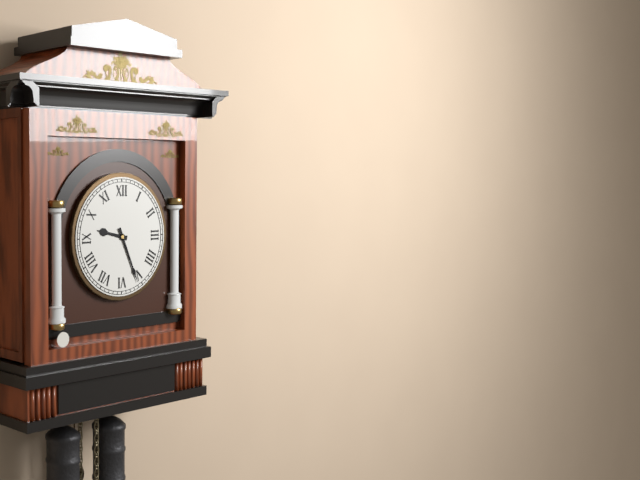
9,26
